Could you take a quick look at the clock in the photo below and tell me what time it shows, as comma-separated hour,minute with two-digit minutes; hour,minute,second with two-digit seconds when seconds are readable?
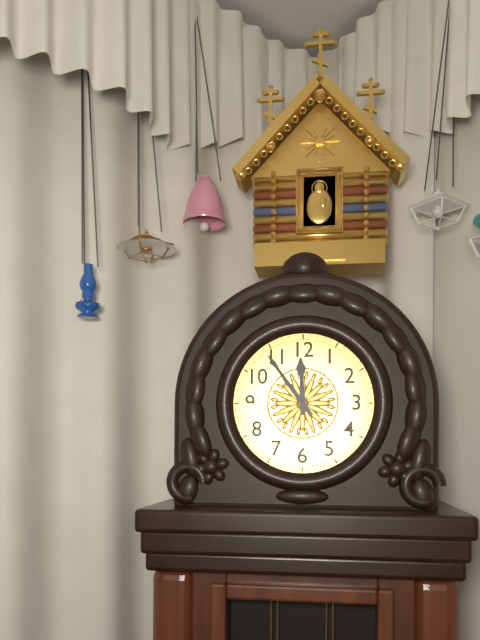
11,54
